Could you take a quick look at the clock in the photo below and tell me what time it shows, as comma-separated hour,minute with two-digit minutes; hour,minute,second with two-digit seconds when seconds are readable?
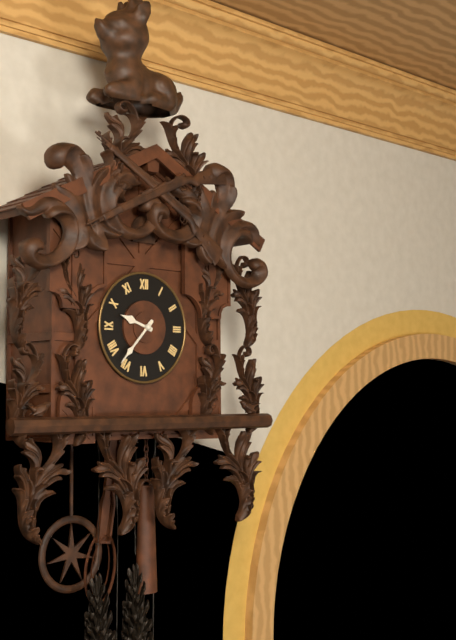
9,37
